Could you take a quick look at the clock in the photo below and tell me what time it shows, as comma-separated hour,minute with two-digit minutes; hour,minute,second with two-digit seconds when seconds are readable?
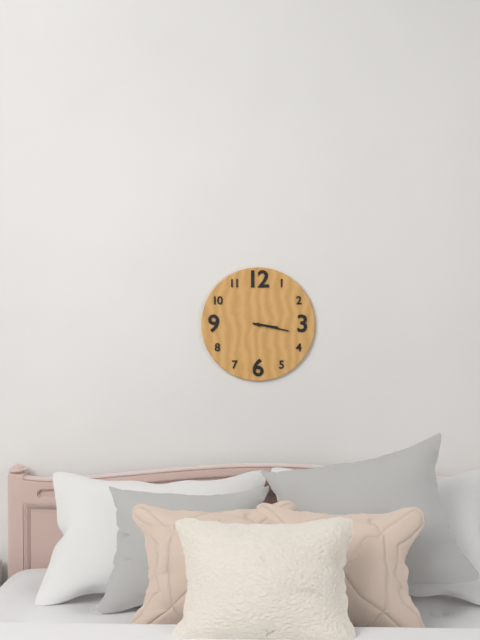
3,17
